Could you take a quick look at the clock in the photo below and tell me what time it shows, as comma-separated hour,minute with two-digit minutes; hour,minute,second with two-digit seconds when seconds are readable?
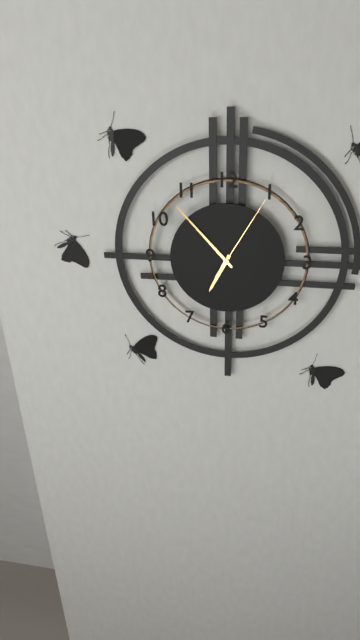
6,53,05
